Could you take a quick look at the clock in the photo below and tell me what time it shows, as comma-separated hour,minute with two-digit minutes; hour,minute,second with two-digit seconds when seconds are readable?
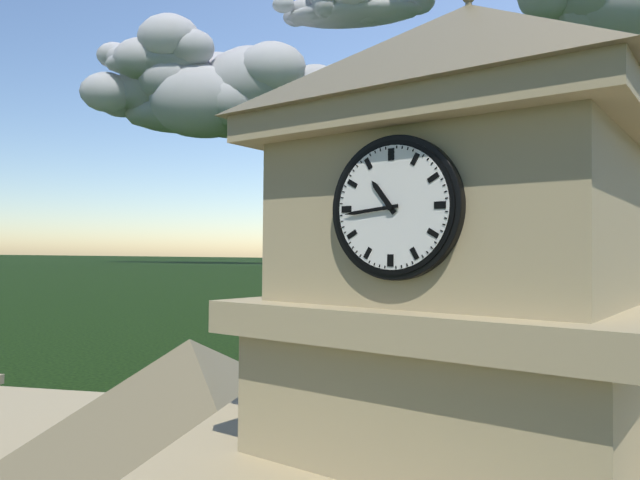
10,44
